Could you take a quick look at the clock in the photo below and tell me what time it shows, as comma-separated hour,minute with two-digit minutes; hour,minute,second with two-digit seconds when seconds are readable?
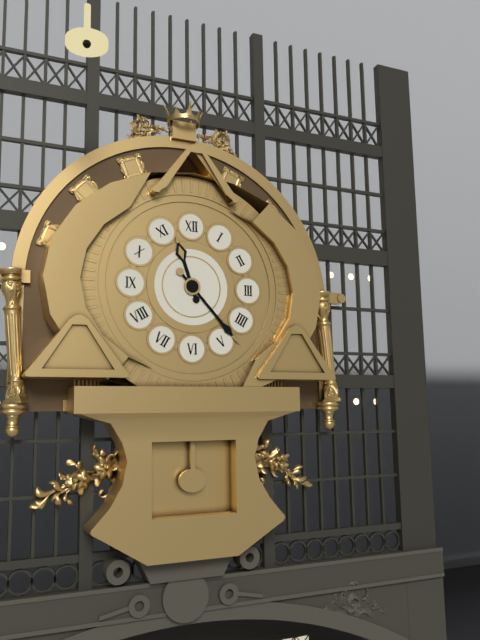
11,23
